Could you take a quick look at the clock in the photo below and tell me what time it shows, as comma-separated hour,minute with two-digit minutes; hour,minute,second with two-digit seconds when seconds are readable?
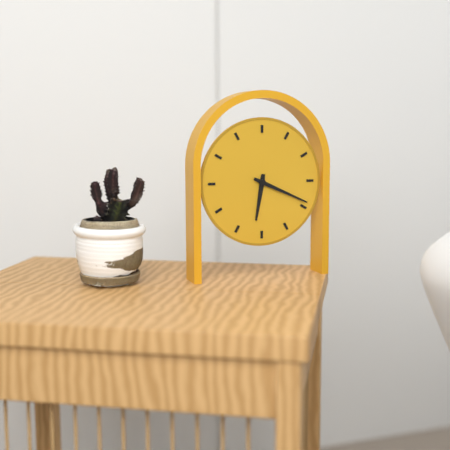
6,19
